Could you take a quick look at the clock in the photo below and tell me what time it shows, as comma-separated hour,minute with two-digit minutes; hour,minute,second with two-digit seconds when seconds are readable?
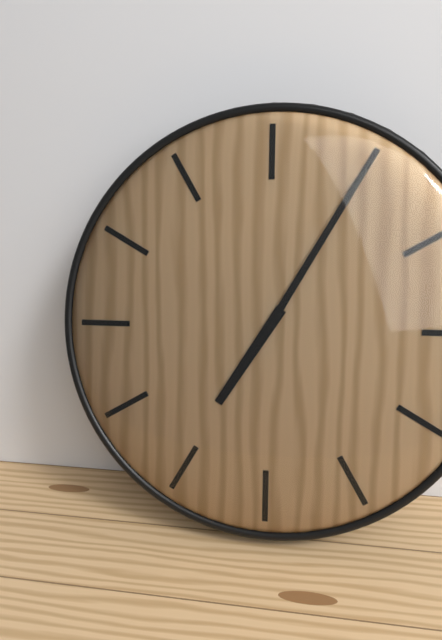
7,05
